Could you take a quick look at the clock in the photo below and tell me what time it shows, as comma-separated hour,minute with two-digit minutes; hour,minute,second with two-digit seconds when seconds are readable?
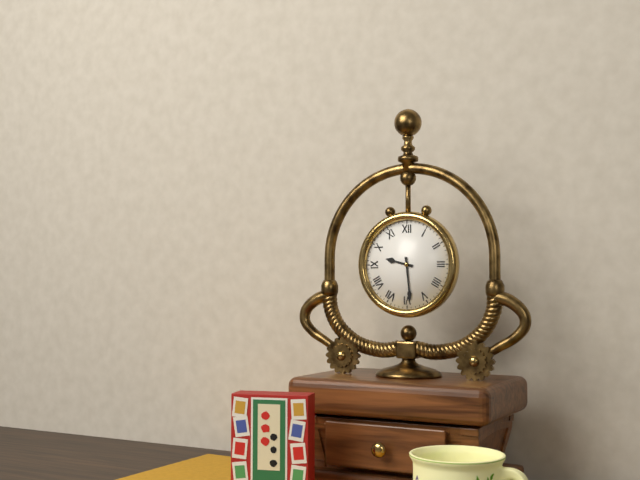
9,29
